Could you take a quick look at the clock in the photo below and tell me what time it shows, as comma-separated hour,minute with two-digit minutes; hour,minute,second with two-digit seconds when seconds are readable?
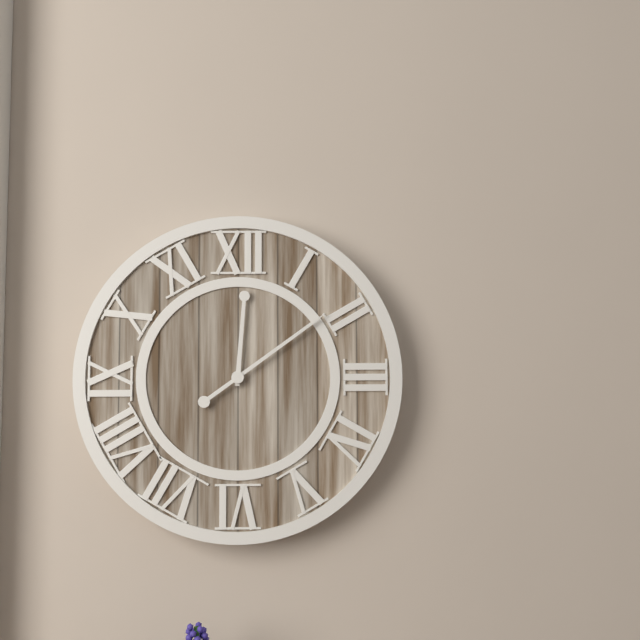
12,09
